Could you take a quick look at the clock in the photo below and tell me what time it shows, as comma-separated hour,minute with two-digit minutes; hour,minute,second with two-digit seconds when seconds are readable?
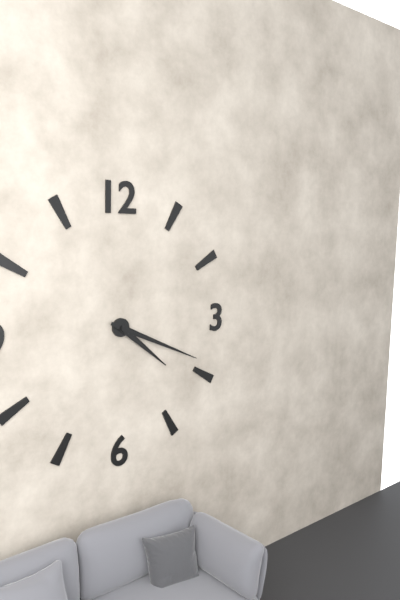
4,19
